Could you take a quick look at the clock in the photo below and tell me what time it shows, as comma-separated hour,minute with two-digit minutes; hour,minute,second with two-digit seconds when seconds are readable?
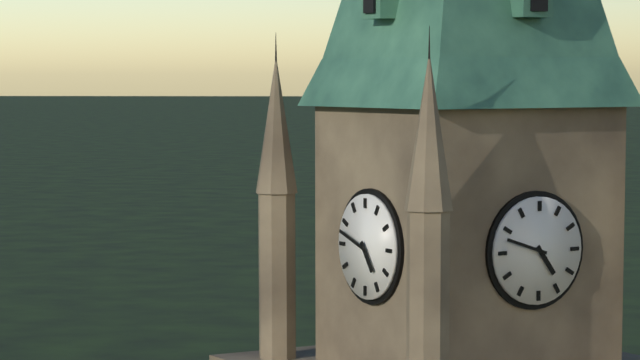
4,48
